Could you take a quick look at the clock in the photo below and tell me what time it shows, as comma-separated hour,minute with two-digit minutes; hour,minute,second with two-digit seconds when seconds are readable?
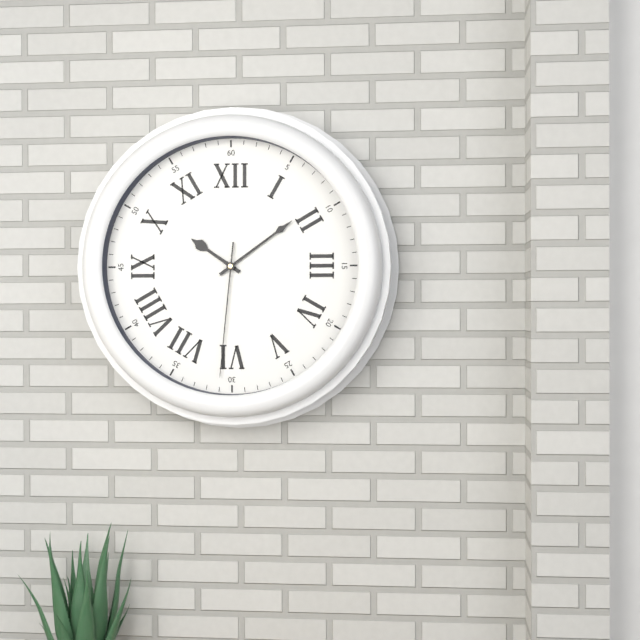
10,09,31
